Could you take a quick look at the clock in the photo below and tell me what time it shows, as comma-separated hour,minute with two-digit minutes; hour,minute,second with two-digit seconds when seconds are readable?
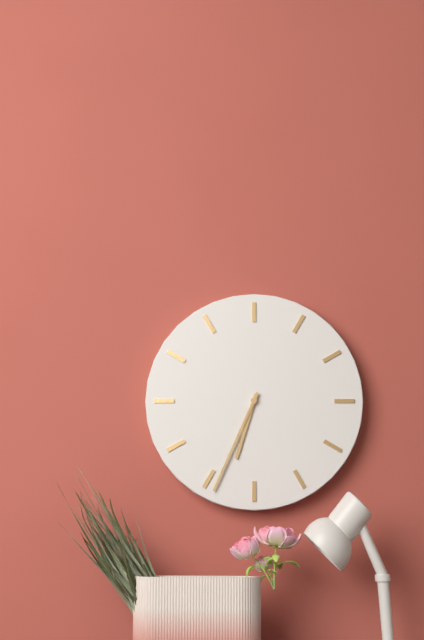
6,34
